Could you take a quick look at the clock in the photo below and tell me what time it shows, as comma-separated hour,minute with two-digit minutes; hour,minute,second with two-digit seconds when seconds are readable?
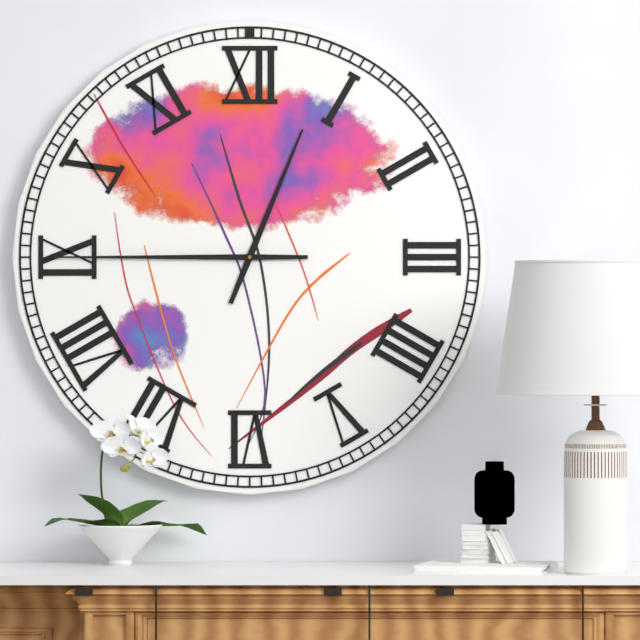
12,45
